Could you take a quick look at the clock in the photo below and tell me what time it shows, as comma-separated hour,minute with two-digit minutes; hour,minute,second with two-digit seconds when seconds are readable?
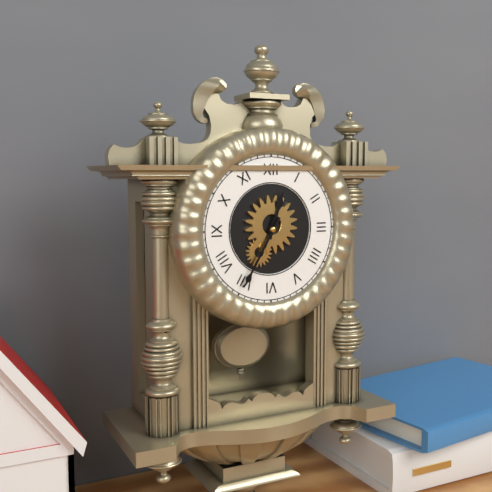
12,35
